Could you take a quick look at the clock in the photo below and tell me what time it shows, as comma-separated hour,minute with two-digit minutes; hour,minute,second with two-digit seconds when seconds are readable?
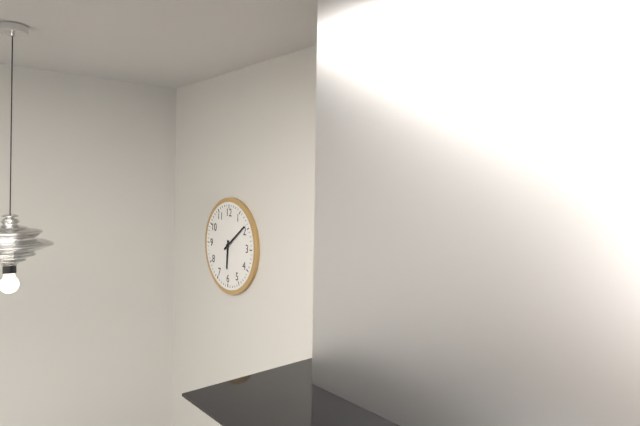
6,09
